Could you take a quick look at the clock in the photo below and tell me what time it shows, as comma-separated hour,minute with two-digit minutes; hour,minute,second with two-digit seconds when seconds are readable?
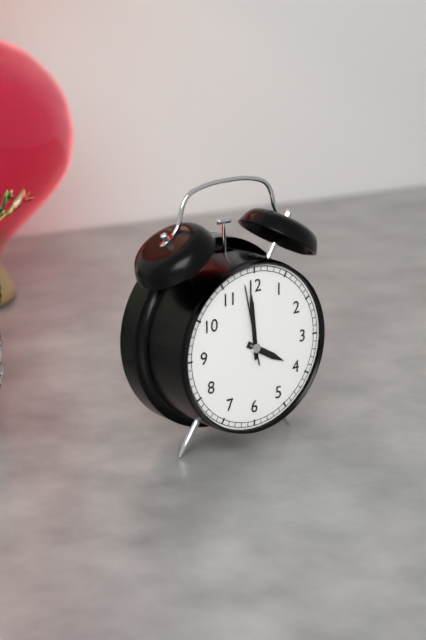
3,59,58
